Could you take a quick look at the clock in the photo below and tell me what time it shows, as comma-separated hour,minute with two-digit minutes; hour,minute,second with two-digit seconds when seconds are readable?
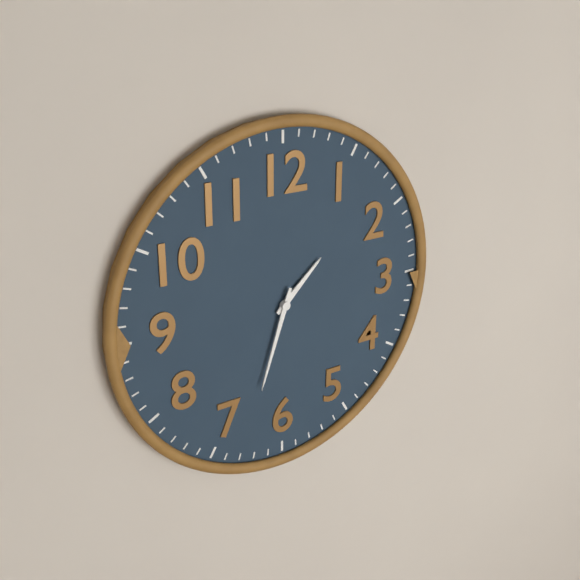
1,33
